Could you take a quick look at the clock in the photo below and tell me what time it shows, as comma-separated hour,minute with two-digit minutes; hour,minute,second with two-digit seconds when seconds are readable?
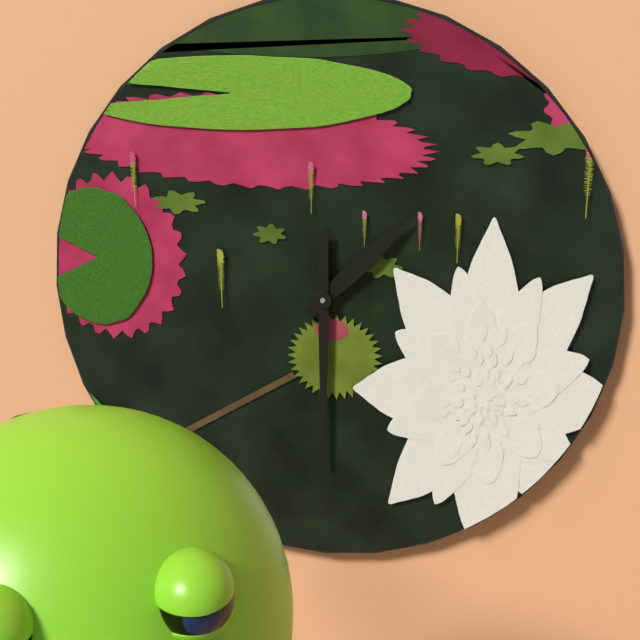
1,30
